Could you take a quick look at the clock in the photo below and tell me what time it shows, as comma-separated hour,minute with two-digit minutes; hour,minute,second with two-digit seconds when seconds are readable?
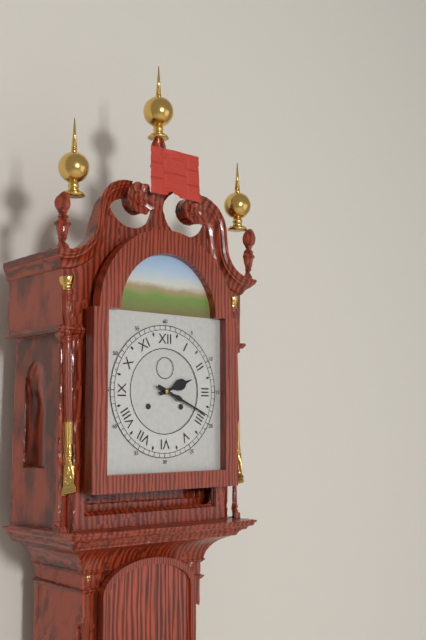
2,19
